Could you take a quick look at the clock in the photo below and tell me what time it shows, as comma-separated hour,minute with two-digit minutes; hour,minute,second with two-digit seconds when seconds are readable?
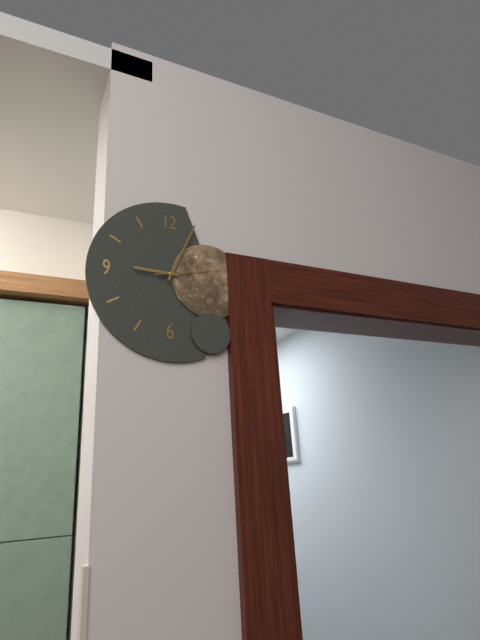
9,04,13
